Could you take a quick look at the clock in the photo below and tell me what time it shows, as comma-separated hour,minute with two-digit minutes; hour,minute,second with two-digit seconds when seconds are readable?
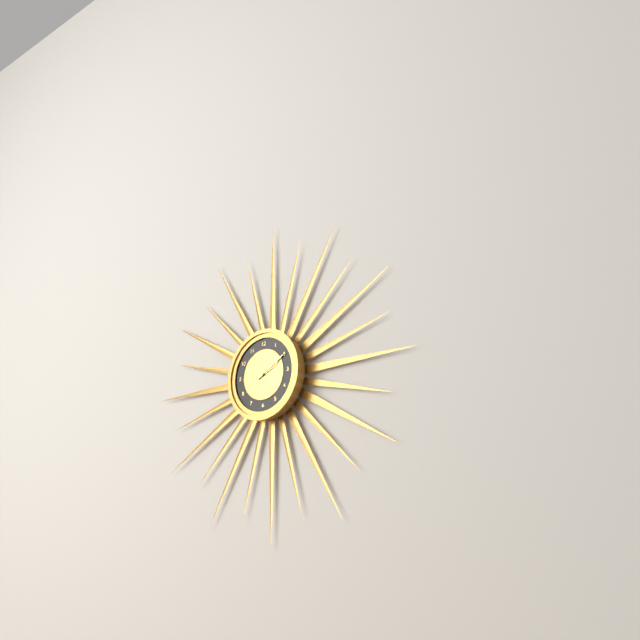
2,10
